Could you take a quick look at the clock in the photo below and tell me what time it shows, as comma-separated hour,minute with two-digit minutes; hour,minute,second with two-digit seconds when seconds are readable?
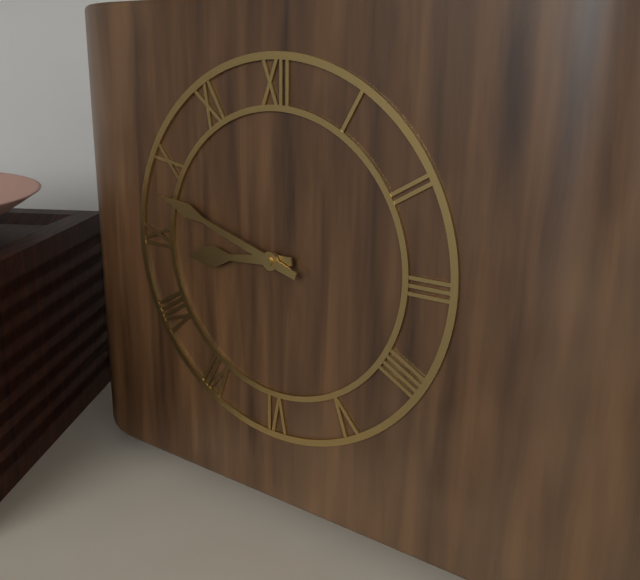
8,48
